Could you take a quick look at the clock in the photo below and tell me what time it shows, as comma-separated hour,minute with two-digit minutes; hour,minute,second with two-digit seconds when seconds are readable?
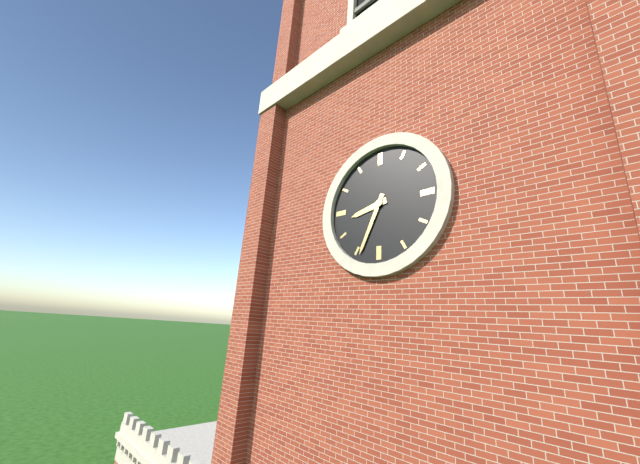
8,34
